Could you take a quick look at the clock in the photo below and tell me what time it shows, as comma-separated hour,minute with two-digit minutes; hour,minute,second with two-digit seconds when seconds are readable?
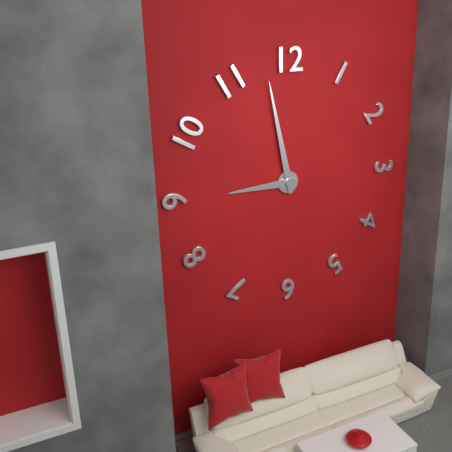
8,58
